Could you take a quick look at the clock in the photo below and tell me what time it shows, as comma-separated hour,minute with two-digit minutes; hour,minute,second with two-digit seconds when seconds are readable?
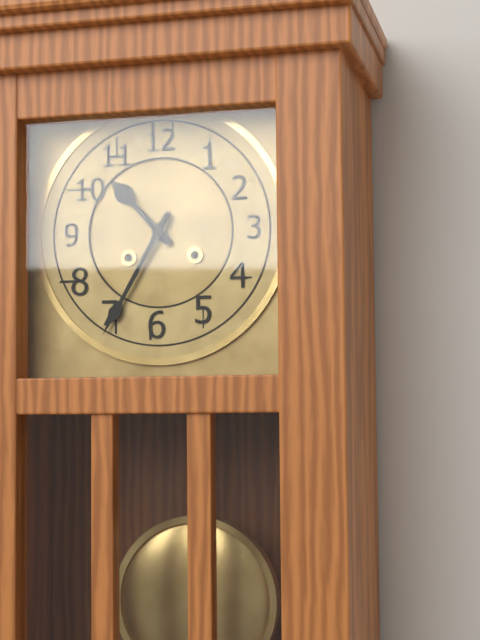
10,35
